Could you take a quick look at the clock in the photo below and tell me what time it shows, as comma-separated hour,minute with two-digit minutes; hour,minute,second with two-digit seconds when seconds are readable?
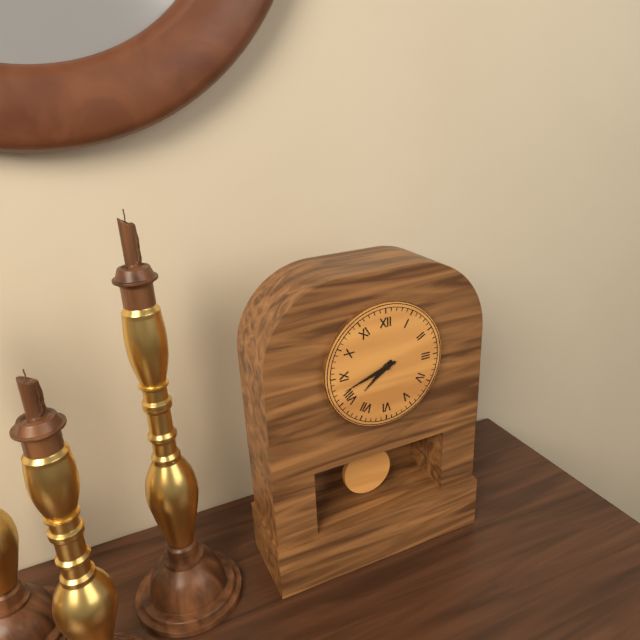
7,42
